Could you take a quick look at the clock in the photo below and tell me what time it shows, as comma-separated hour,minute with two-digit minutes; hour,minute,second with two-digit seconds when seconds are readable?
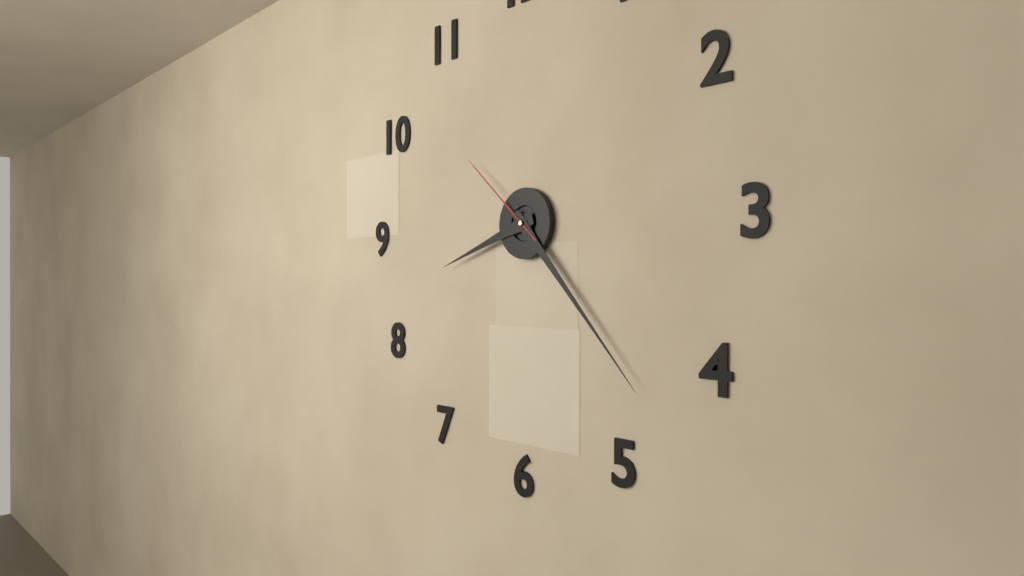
8,23,52
